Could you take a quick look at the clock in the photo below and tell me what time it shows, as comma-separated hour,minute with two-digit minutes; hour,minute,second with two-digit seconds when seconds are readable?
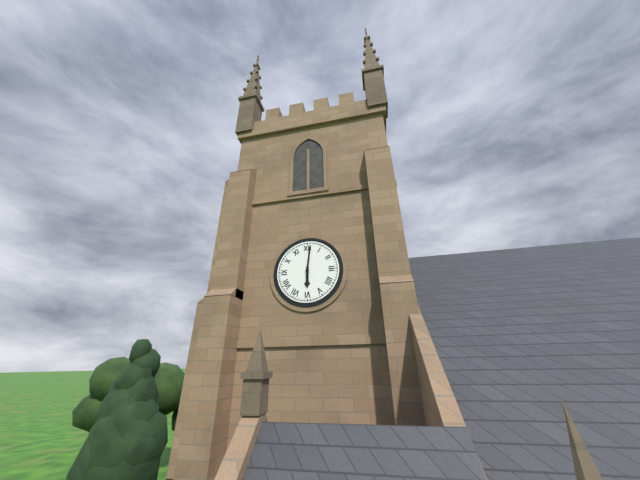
6,01
